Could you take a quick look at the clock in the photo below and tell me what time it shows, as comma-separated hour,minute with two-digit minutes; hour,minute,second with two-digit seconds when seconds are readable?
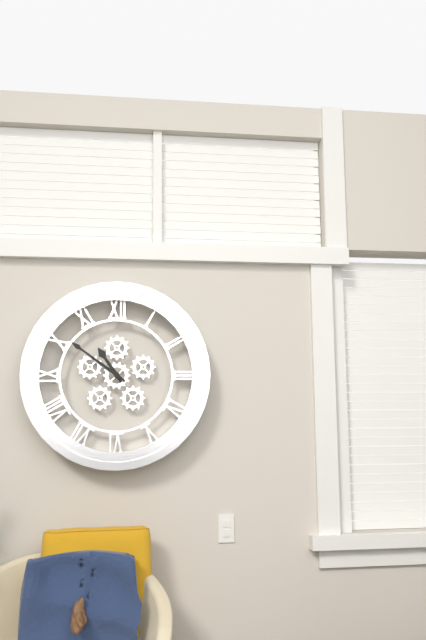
10,51
